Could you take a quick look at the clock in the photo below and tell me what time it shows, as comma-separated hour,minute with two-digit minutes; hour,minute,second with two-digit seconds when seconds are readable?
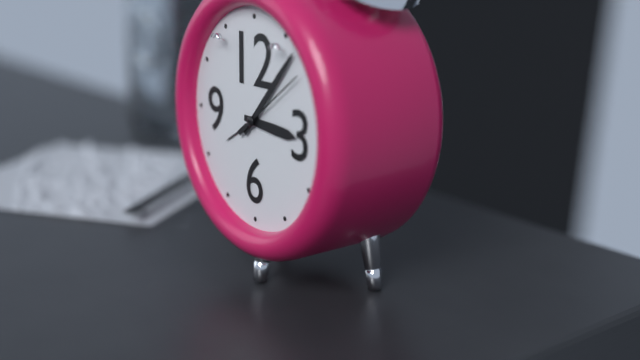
3,07,09
